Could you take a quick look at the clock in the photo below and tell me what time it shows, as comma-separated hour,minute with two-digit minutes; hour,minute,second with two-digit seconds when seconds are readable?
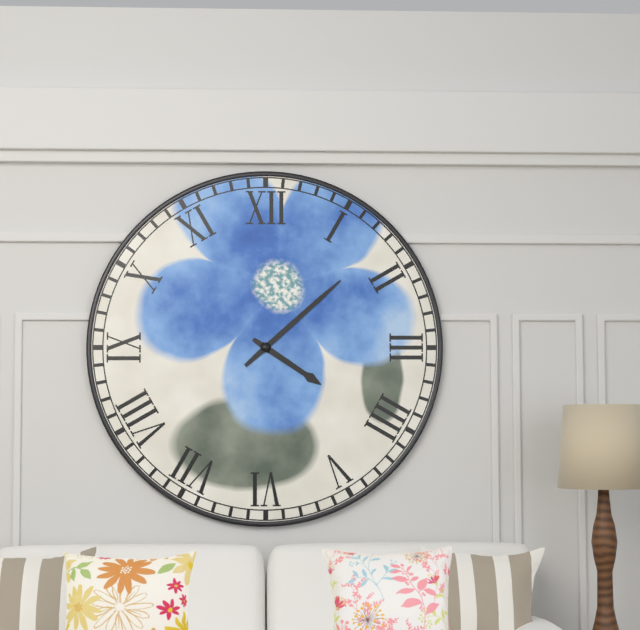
4,08
